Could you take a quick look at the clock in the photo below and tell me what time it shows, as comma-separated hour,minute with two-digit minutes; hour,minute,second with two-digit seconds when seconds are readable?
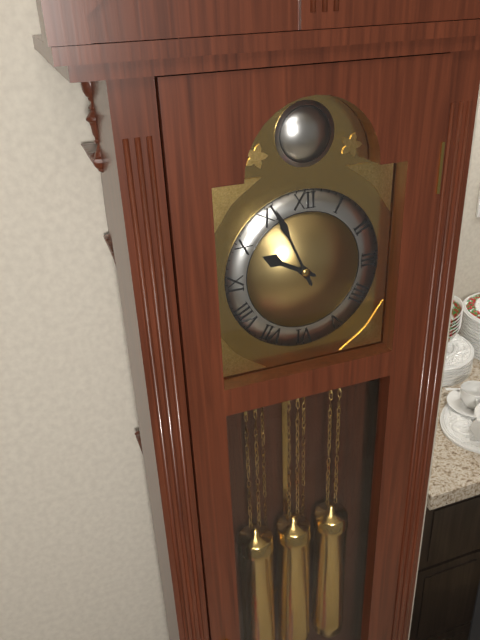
9,56
